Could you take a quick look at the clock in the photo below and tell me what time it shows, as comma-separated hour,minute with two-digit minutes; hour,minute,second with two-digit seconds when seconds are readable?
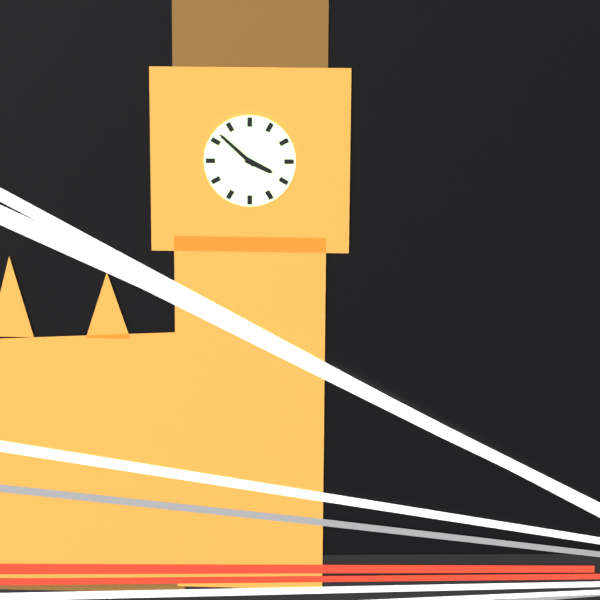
3,52
